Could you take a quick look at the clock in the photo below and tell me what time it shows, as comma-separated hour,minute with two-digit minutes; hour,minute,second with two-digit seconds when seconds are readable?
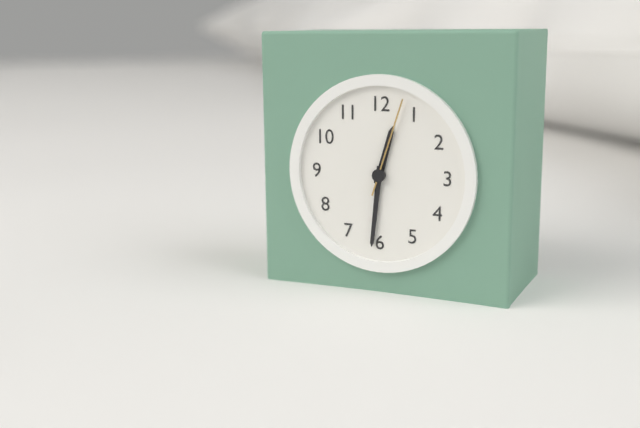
12,31,03
